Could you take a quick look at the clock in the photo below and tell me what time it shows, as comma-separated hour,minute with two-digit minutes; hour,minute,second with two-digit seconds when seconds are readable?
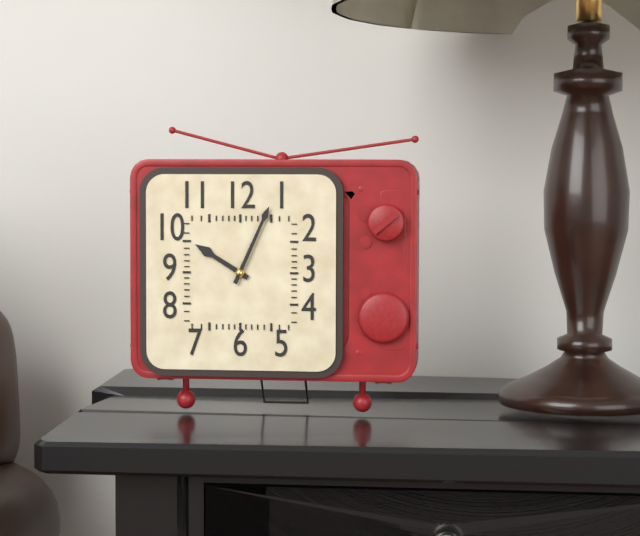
10,04
